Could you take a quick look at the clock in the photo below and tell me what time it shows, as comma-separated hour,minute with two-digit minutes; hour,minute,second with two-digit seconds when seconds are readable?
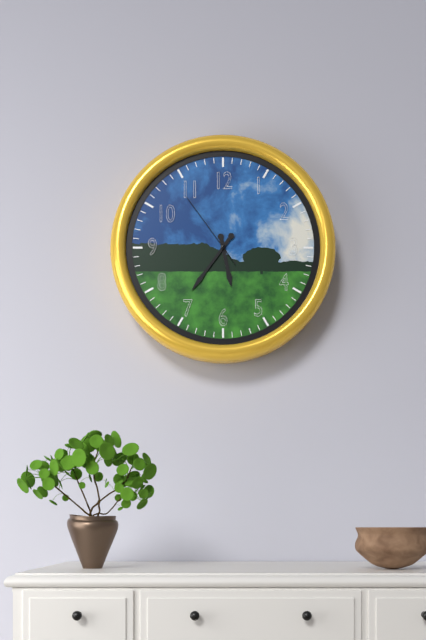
5,36,54
